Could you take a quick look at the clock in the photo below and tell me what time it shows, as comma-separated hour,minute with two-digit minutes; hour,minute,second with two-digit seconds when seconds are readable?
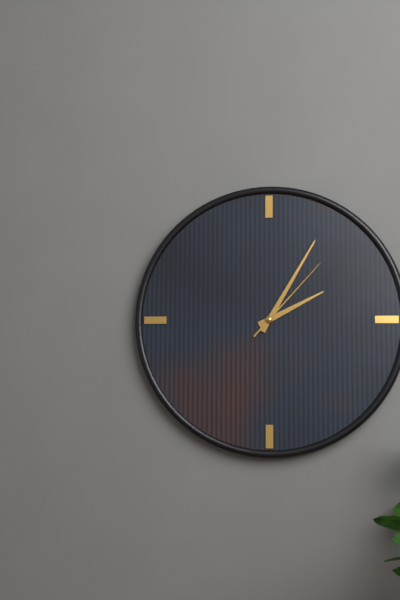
2,05,07
